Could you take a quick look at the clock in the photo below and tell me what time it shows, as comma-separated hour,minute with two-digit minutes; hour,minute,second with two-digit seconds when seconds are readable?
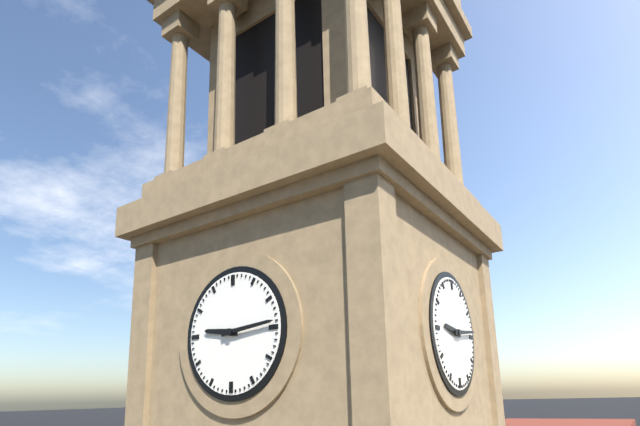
9,14
